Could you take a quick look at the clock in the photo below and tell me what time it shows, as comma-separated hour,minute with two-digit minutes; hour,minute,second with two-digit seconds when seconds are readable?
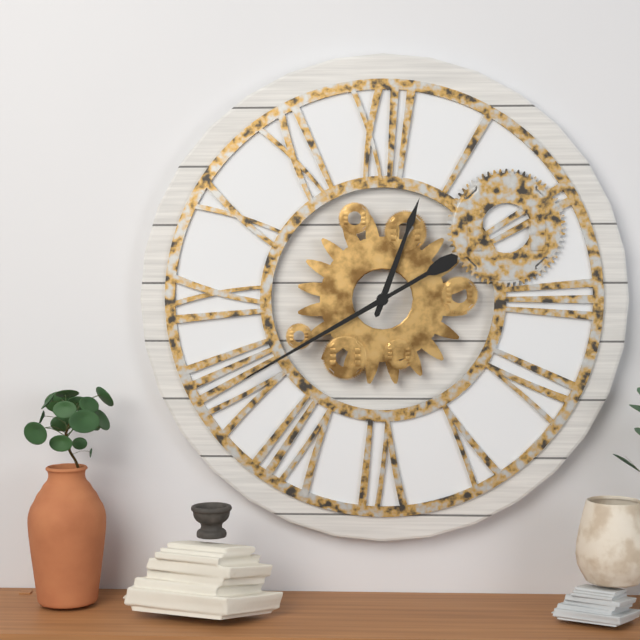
12,40
